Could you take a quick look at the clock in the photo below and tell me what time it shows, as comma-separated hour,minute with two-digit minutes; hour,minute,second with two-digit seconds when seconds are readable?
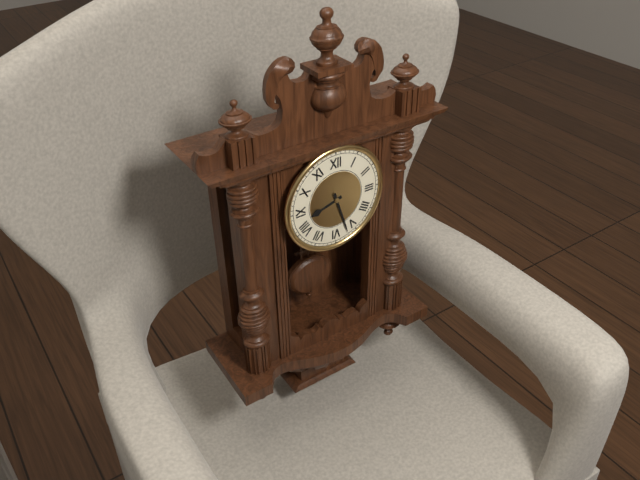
8,27
